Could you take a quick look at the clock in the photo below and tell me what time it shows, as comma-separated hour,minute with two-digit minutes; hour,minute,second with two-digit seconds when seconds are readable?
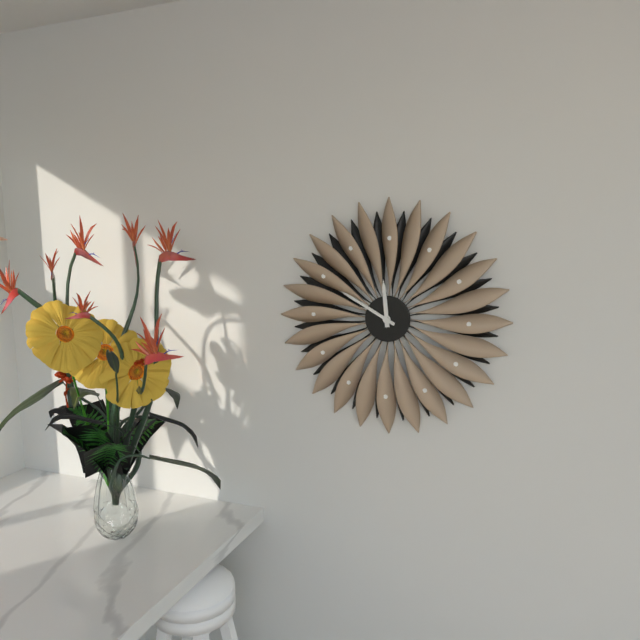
11,50
